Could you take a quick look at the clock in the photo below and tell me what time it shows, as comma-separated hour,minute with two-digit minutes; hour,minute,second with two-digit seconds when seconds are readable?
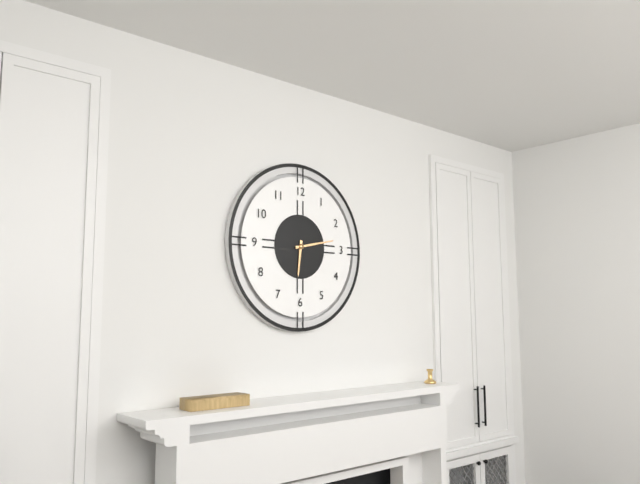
6,13
